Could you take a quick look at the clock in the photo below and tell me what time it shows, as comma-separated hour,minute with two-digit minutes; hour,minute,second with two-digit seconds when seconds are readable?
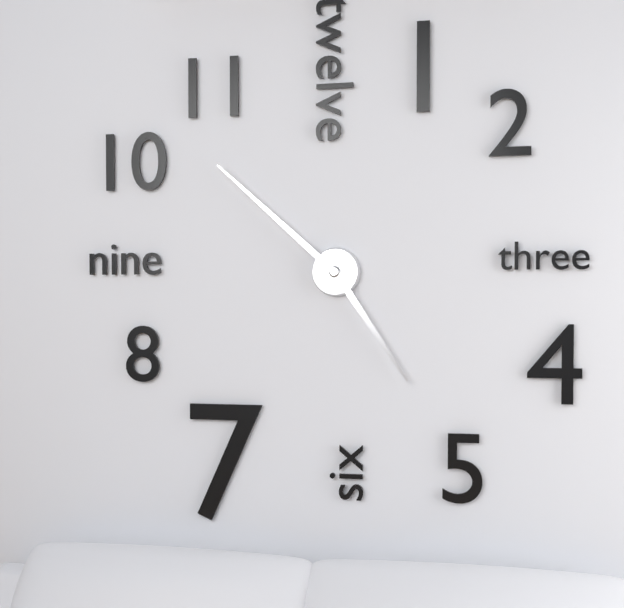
4,52
